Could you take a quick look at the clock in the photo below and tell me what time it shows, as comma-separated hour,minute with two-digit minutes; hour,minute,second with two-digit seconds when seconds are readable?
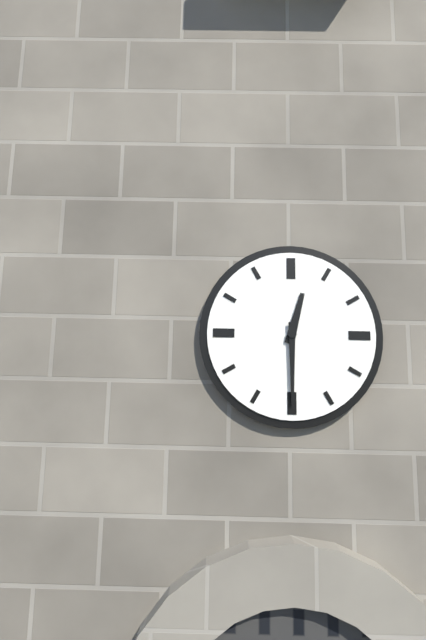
12,30
